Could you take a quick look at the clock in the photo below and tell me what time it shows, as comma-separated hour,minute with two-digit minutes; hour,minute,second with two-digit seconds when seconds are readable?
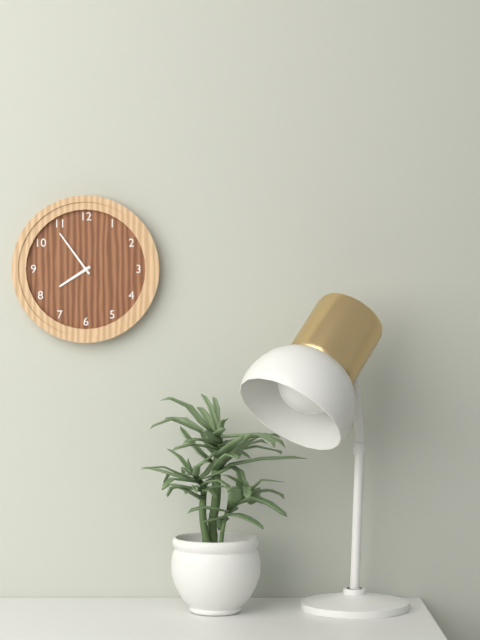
7,54
